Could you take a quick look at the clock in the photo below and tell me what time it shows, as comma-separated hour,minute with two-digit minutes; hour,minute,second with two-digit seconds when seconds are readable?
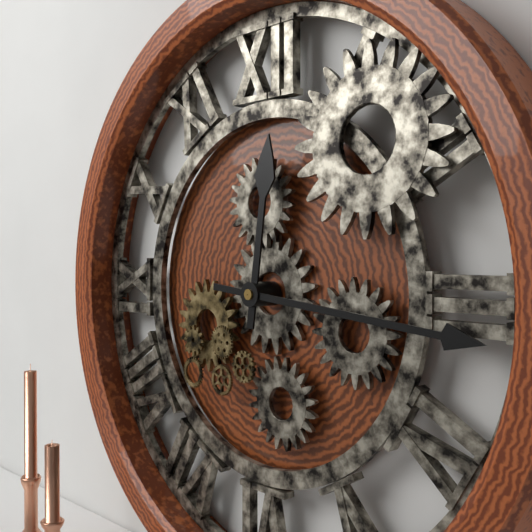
12,16
